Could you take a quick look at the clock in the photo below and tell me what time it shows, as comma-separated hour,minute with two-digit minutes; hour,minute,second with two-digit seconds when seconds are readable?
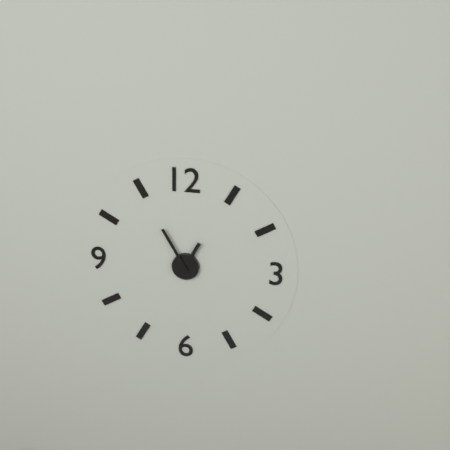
12,55
